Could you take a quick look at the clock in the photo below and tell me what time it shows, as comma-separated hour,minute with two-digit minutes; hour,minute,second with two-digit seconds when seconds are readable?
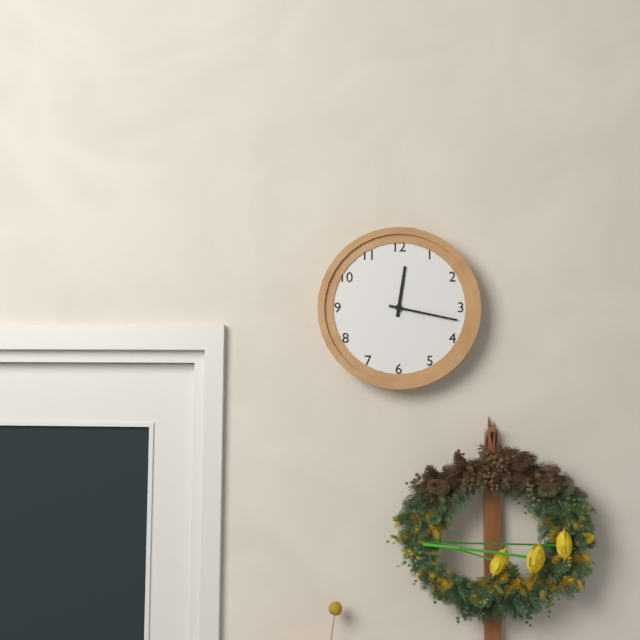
12,17
